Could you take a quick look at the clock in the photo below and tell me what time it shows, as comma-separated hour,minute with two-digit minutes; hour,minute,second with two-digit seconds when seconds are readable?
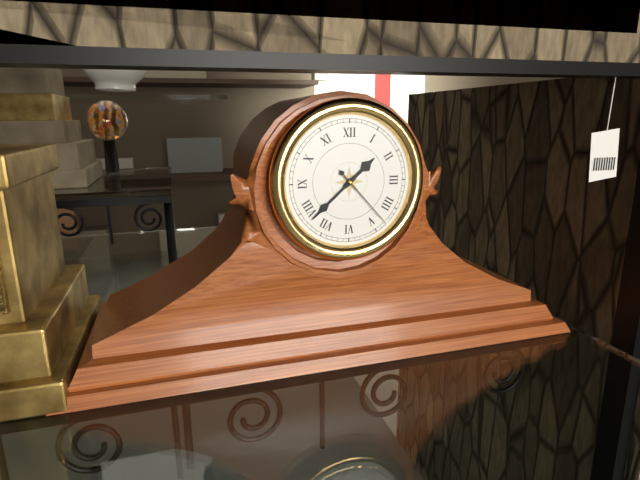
1,38,23
